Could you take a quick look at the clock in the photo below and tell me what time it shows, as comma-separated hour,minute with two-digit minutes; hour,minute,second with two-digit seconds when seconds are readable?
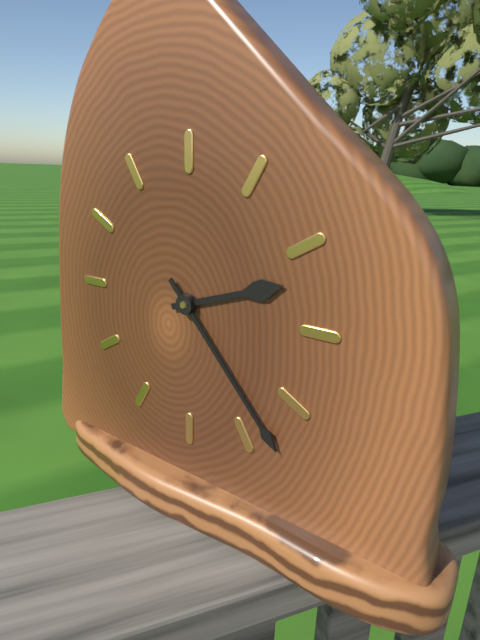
2,23
